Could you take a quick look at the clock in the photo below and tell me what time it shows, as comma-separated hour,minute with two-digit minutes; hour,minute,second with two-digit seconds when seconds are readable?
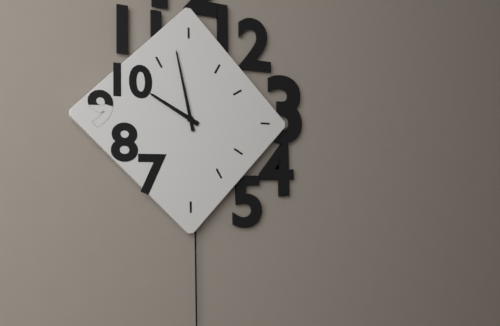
9,58
